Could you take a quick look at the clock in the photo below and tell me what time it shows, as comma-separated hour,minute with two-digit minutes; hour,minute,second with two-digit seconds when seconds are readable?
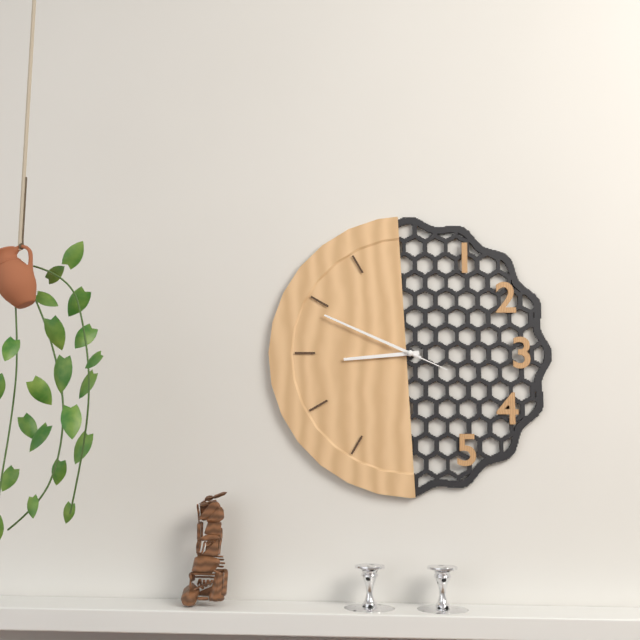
8,49,19
